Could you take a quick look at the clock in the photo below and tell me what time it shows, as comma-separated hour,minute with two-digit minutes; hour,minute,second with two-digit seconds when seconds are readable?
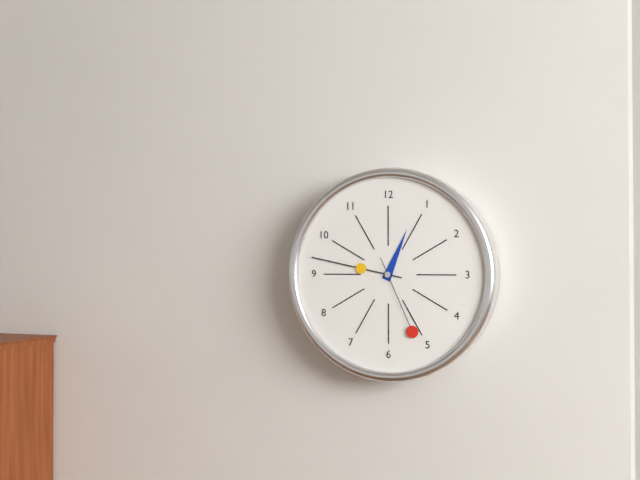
12,47,26
